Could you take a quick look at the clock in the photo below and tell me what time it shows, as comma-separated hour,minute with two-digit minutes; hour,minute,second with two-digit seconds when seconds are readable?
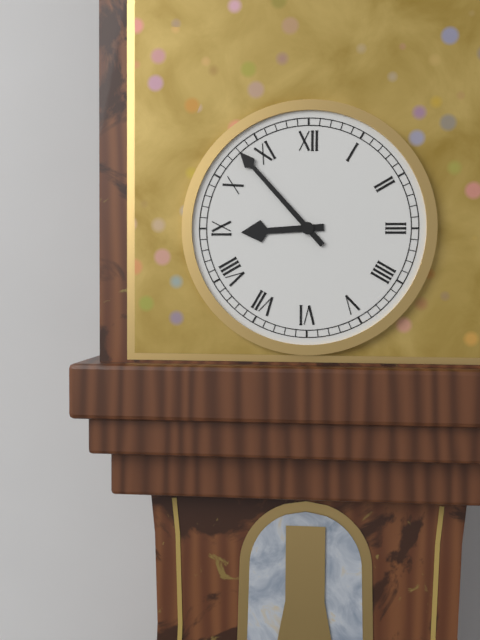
8,53
